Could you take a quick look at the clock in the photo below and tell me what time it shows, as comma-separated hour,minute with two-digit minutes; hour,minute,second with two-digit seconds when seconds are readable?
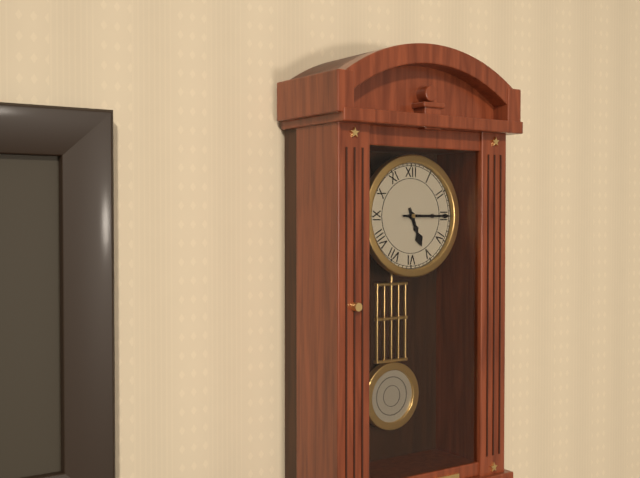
5,15
